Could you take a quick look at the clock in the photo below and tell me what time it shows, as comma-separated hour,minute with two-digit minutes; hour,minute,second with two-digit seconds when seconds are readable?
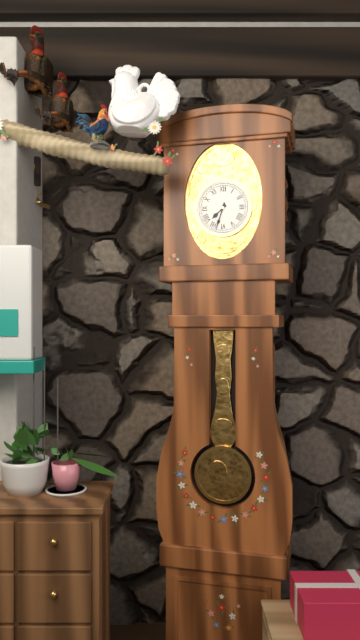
7,33
